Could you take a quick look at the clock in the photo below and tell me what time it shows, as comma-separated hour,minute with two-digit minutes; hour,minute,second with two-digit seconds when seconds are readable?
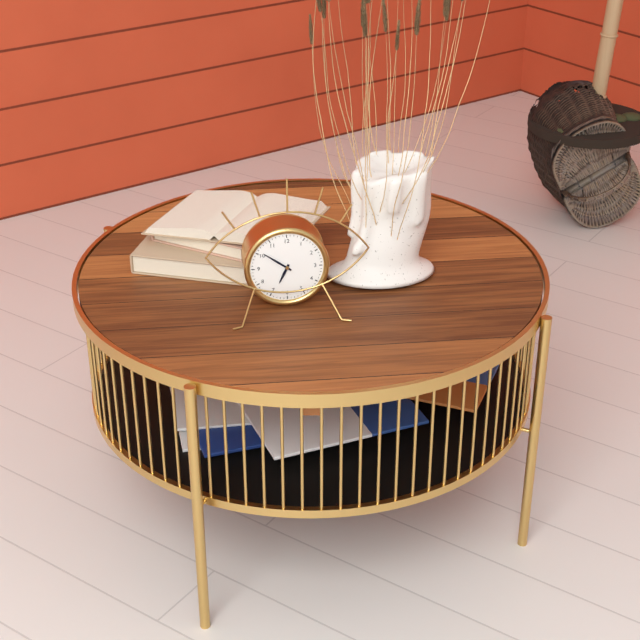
6,51
